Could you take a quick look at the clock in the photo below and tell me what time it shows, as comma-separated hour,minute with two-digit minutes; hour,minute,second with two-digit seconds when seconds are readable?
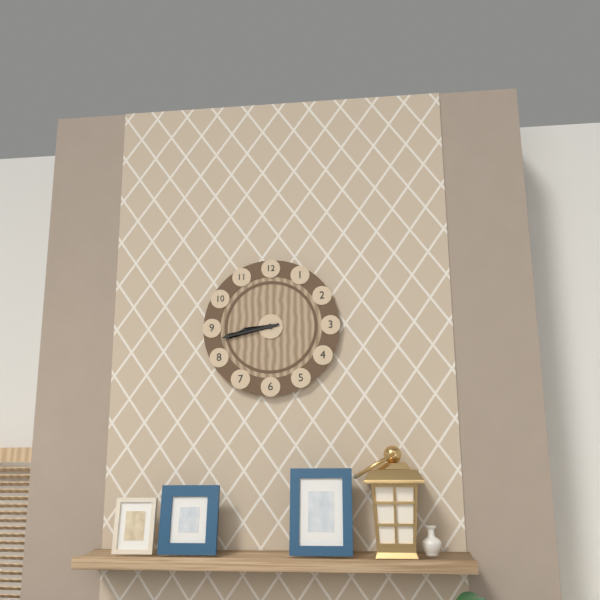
8,43
